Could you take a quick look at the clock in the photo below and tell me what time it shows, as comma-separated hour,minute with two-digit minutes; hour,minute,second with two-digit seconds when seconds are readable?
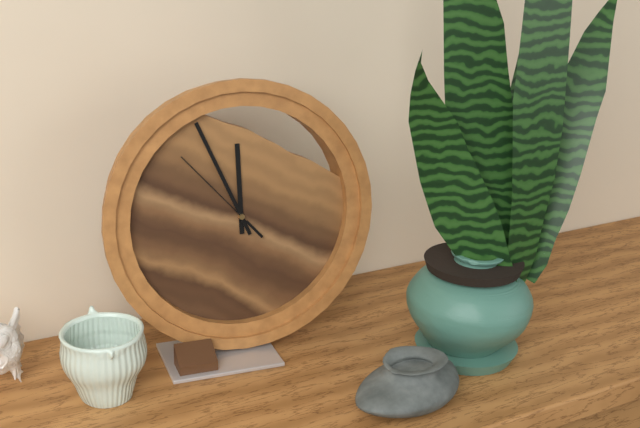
11,56,53
